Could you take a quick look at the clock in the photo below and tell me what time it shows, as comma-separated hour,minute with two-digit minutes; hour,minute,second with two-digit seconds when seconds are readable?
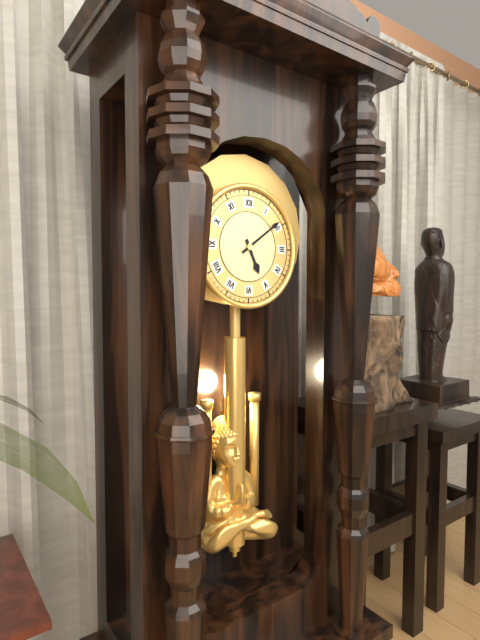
5,09
